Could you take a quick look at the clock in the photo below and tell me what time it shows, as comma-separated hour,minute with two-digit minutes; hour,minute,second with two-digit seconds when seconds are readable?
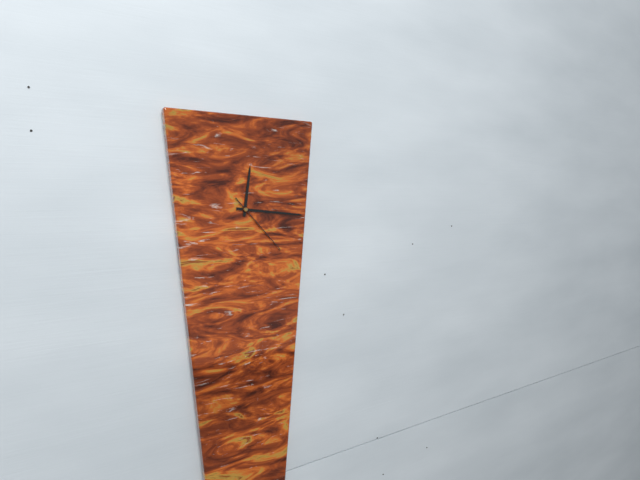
12,16,23
